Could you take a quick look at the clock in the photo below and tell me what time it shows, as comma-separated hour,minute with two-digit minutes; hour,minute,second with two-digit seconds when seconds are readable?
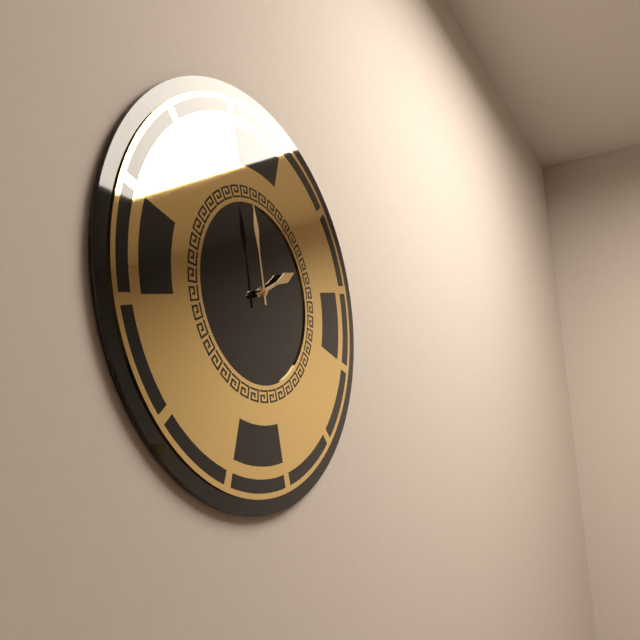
1,58
